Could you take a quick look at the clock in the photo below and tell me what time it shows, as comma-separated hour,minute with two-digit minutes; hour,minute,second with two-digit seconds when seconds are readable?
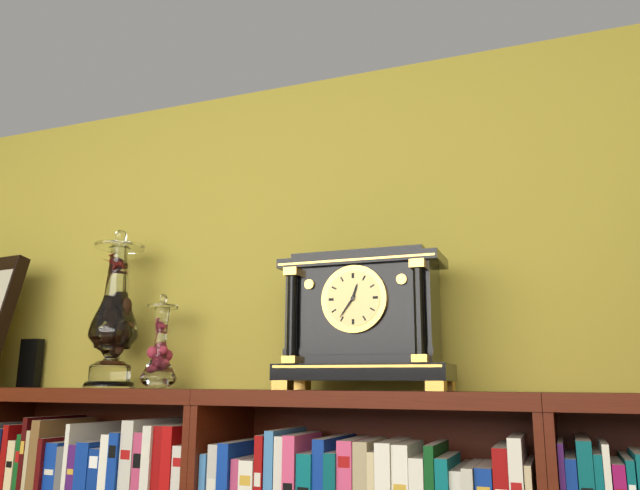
12,36
